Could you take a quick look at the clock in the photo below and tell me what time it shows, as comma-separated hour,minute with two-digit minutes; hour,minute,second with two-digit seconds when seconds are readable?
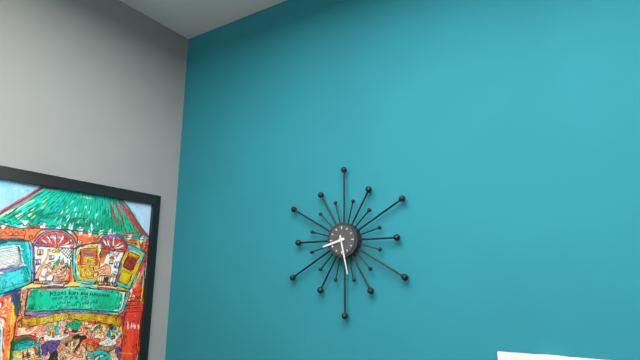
8,28
